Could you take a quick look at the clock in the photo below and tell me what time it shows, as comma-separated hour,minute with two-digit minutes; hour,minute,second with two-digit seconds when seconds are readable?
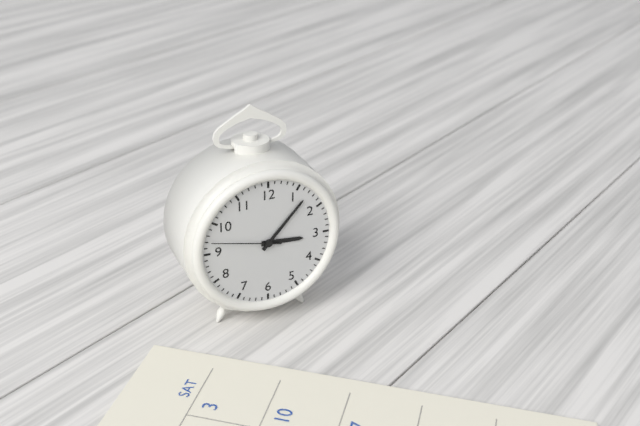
3,07,47
